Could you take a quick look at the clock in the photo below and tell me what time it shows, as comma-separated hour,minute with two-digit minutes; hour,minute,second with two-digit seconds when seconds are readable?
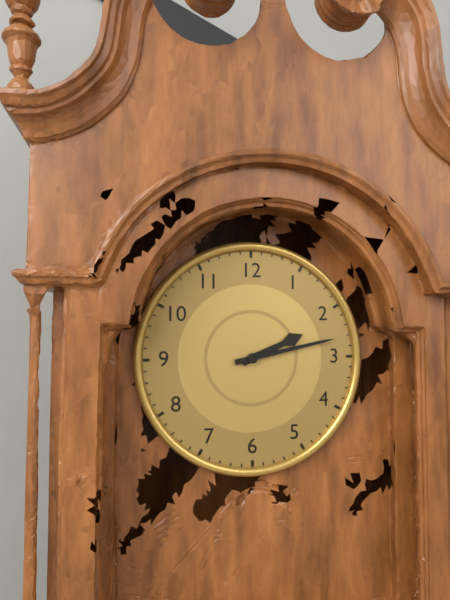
2,13
